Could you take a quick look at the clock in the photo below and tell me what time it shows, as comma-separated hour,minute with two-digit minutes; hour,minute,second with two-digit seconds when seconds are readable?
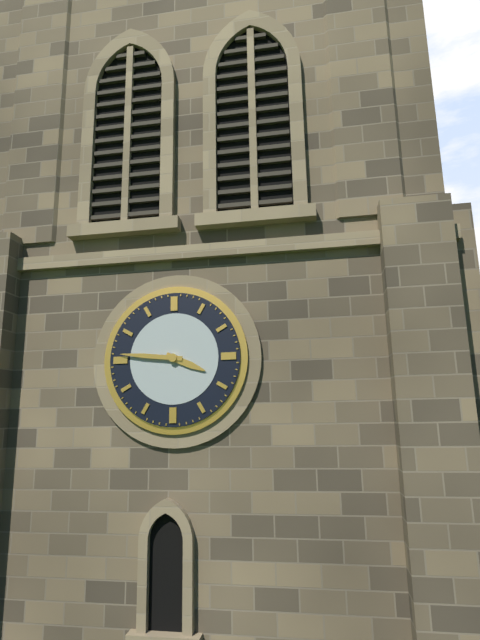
3,46
